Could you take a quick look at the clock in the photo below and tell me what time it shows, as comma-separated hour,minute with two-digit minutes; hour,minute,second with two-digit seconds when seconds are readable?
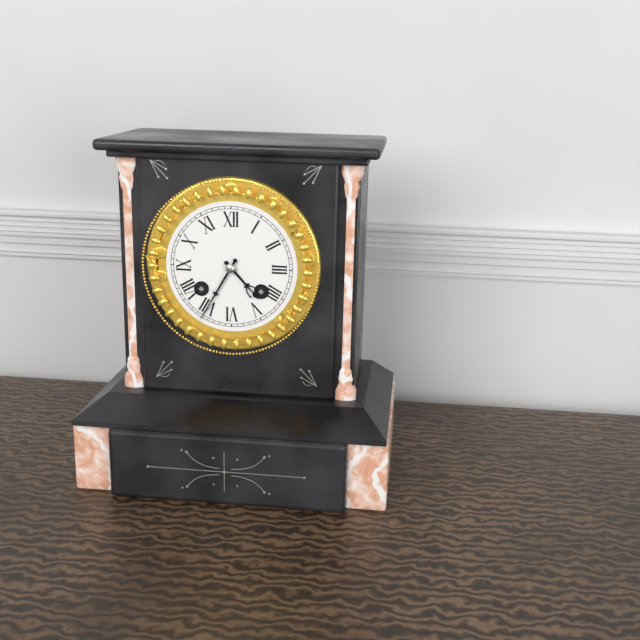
4,35
